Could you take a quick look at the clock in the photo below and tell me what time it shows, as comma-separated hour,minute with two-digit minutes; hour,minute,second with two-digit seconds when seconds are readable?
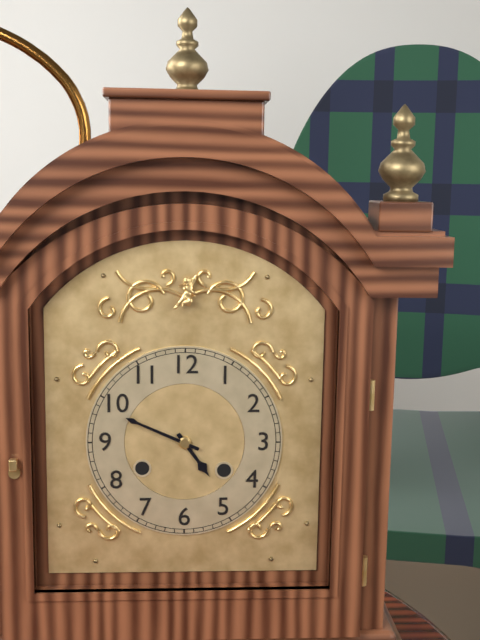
4,49
